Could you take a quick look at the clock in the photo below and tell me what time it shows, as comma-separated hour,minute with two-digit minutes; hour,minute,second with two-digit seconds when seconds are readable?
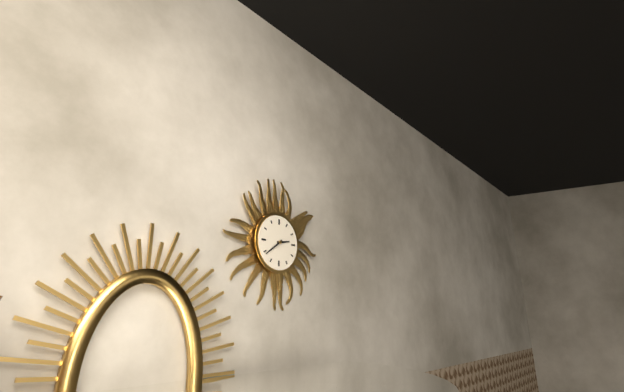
2,39
